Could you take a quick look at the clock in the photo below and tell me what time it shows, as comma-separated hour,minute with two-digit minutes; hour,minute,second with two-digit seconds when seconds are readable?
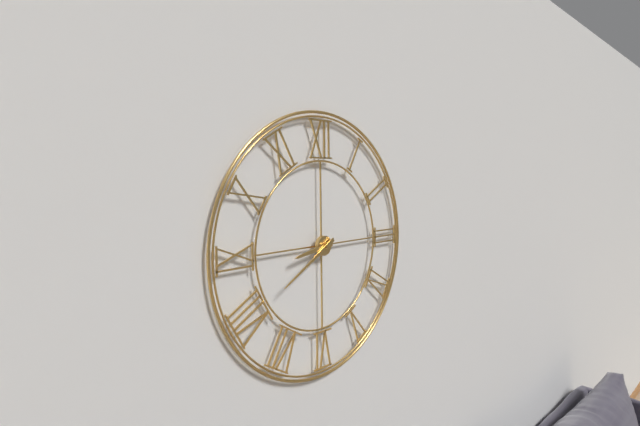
8,40
